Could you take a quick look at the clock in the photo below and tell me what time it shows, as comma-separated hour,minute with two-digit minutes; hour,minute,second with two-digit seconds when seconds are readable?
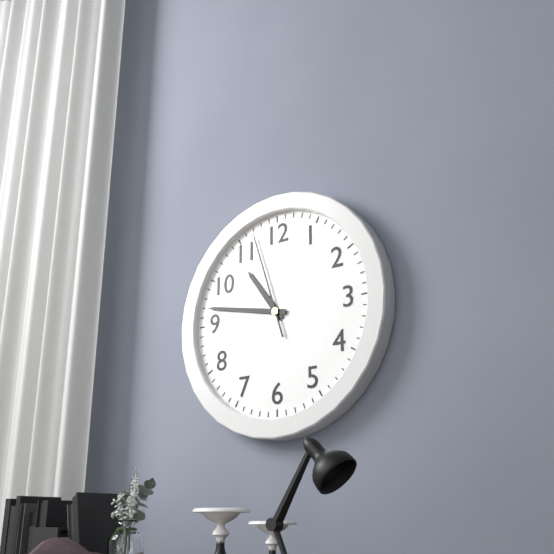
10,47,57
